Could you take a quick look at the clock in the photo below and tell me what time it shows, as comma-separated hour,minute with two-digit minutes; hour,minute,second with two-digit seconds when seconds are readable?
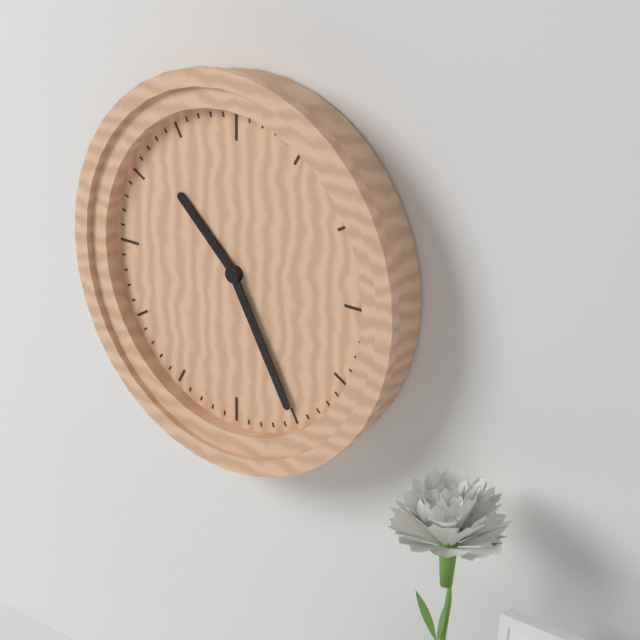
10,25
